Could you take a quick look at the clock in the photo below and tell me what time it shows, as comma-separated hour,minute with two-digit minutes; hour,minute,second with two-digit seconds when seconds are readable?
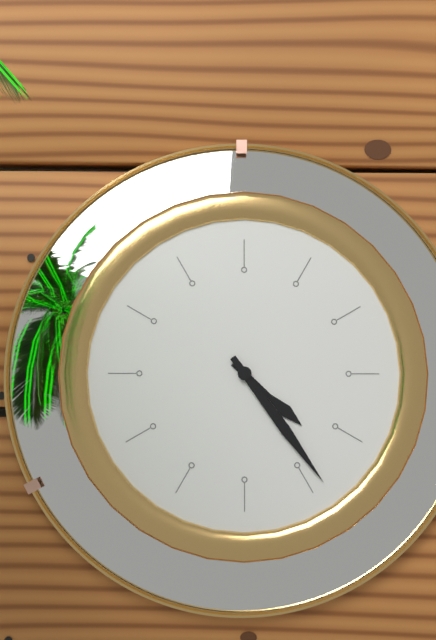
4,24
